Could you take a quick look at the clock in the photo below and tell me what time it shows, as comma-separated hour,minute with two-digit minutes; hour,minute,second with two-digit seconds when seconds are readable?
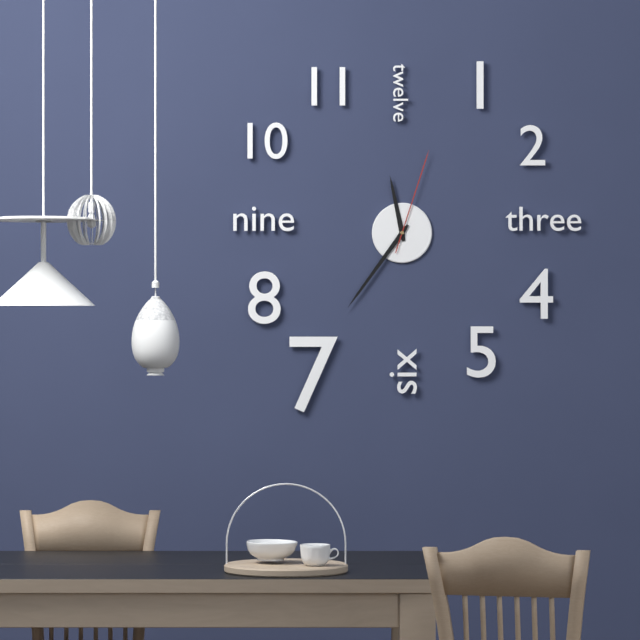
11,36,03
